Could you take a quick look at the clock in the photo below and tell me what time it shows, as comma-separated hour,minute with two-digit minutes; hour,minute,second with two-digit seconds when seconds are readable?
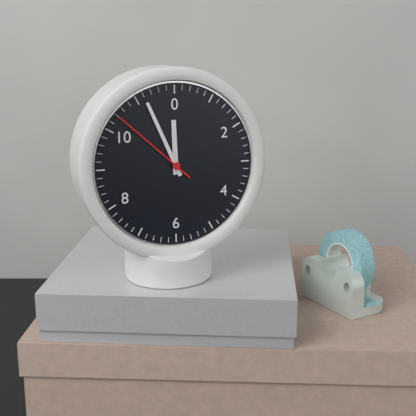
11,56,52
